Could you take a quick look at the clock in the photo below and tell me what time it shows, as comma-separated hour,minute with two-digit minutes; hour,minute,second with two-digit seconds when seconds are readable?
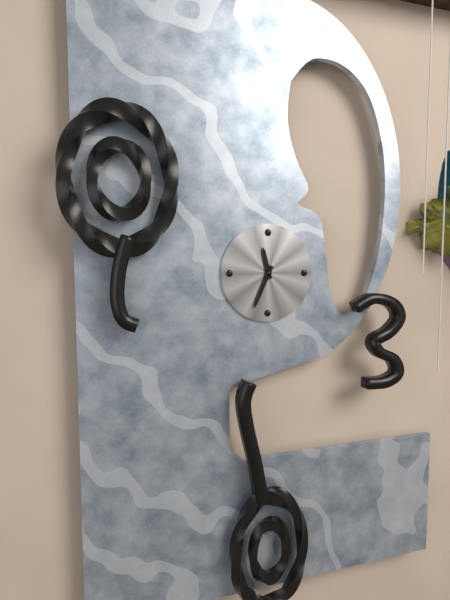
11,34
